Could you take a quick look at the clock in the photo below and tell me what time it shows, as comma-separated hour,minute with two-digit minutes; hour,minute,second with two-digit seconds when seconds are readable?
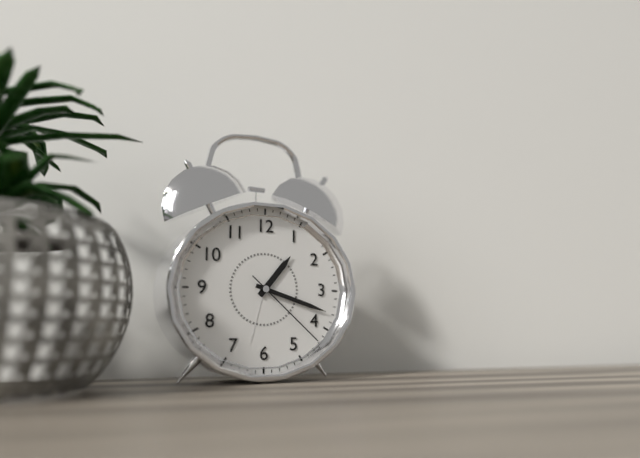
1,18,22
